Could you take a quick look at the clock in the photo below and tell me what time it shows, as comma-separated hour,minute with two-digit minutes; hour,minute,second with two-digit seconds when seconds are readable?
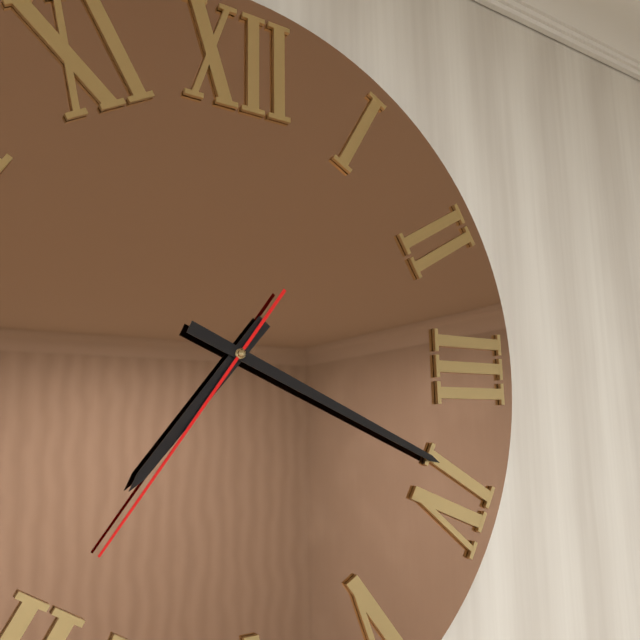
7,19,36
